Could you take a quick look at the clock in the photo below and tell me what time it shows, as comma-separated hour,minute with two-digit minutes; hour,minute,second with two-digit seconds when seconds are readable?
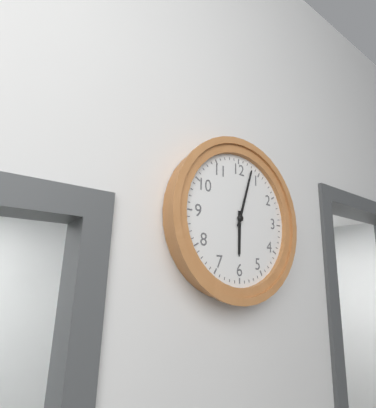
6,03
